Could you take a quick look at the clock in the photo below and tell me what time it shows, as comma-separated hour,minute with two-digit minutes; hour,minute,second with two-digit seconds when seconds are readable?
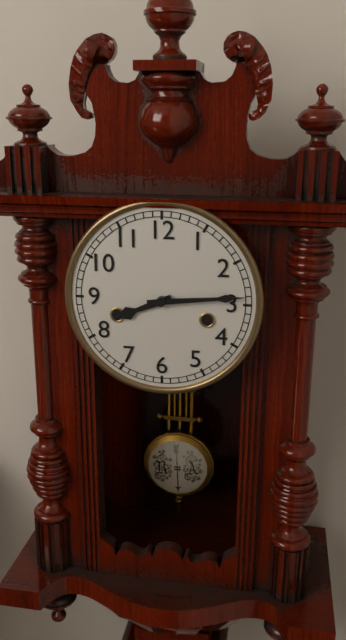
8,14
